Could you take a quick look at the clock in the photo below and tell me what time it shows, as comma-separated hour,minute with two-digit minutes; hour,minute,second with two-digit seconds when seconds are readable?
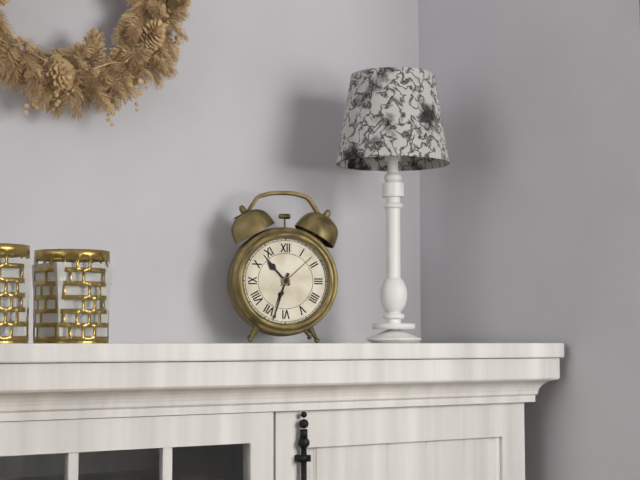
10,33
